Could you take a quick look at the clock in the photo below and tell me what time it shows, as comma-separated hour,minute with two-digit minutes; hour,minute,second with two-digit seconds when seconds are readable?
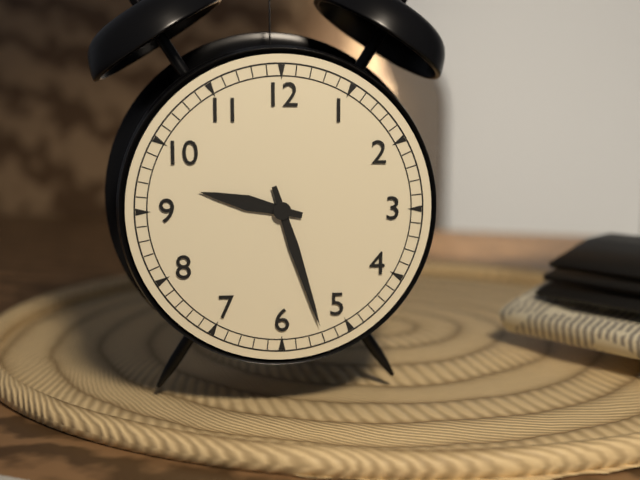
9,27
